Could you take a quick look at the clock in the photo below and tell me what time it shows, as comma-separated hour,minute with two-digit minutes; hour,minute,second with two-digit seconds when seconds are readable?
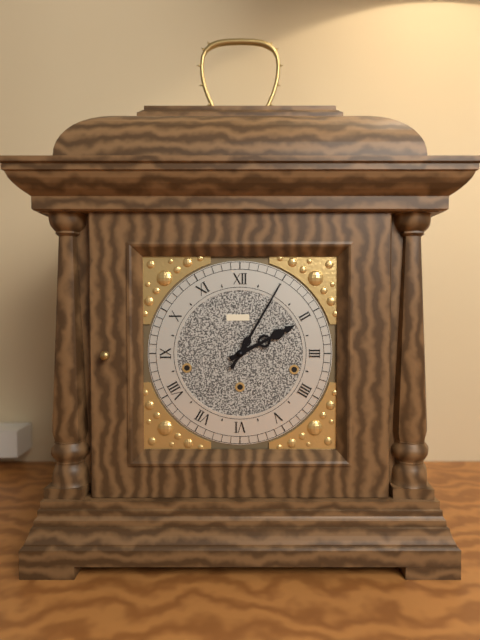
2,05
